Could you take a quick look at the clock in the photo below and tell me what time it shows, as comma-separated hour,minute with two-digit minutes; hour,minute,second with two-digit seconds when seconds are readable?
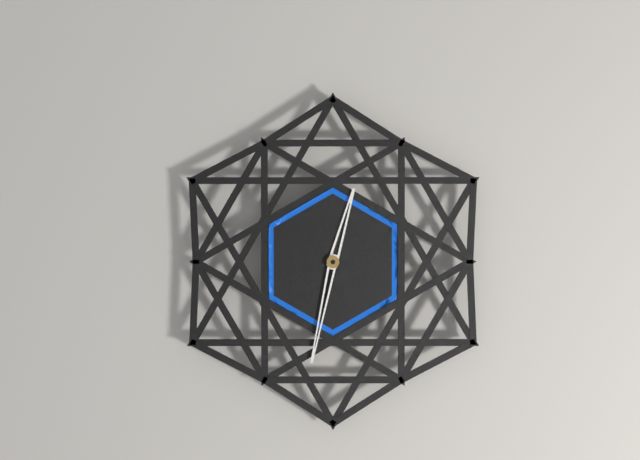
12,32
